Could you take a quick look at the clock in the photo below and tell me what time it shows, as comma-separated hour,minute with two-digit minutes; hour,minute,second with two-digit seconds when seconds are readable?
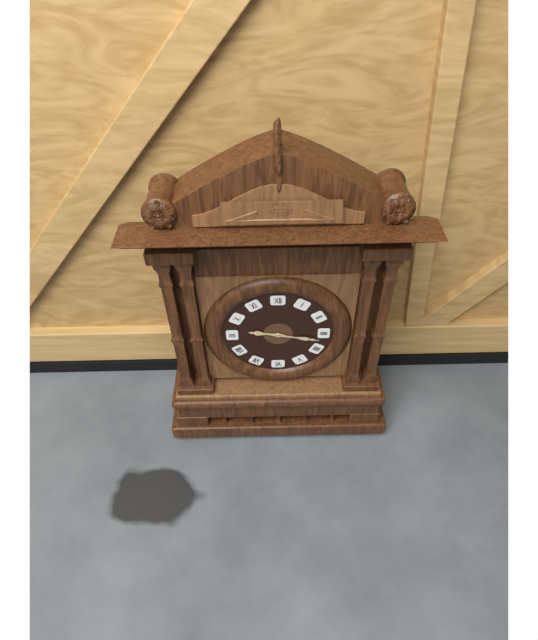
9,17
